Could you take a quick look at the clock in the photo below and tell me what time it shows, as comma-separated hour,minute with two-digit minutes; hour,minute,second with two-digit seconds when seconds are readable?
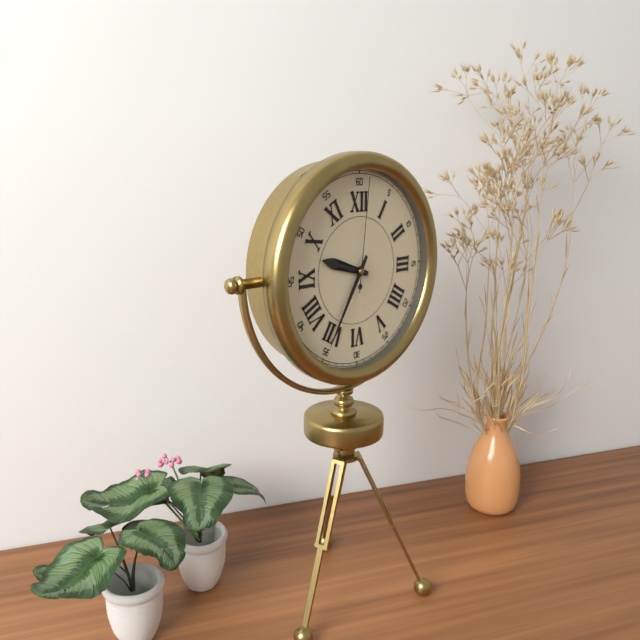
9,35,01
